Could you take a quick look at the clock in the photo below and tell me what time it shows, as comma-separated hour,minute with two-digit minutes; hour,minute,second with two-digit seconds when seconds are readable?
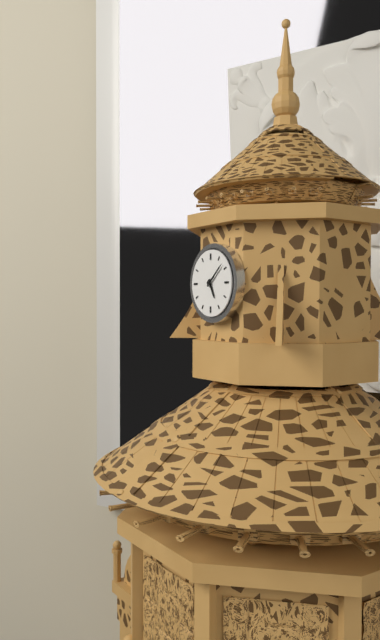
5,08
